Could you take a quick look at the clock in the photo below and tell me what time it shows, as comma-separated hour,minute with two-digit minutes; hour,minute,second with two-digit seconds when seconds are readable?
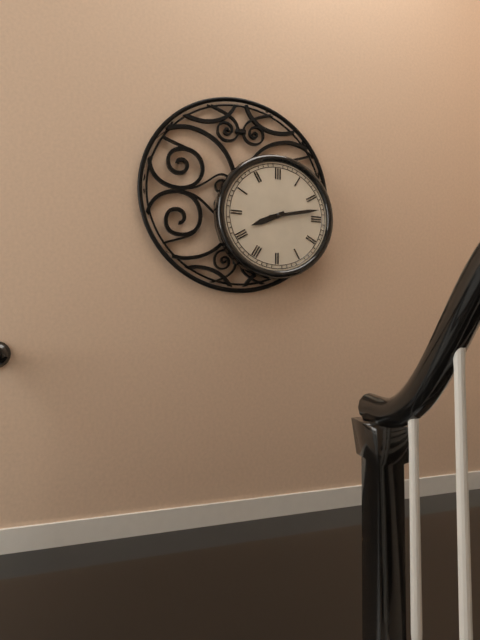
8,13
